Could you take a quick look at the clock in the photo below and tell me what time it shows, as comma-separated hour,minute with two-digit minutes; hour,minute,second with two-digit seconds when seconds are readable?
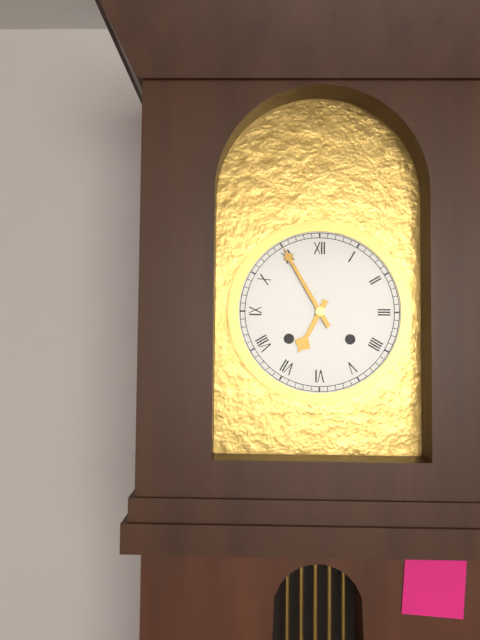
6,55
